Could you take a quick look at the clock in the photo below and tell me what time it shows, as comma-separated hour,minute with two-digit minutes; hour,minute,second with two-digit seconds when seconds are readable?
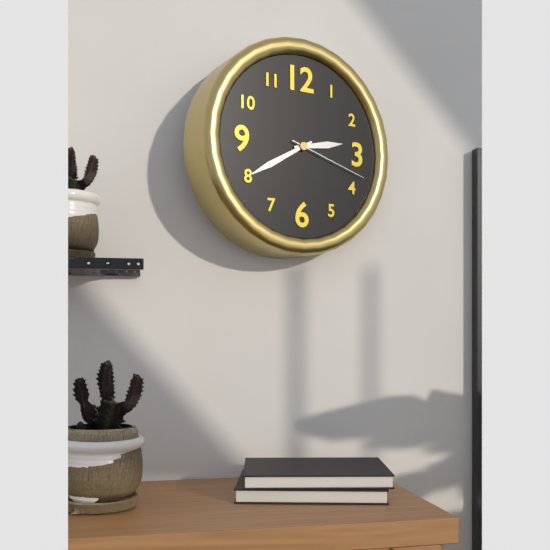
2,40,18
